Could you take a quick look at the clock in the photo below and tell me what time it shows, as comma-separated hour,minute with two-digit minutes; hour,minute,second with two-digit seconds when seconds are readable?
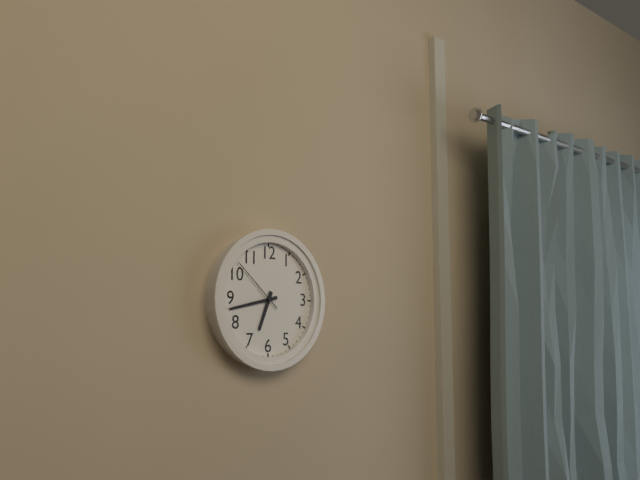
6,43,52
